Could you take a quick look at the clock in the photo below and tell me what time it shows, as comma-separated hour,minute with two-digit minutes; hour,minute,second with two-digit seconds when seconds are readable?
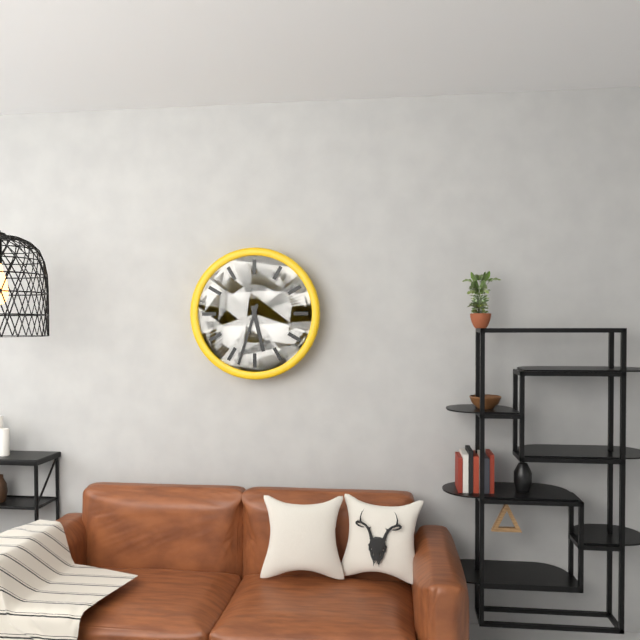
5,33
